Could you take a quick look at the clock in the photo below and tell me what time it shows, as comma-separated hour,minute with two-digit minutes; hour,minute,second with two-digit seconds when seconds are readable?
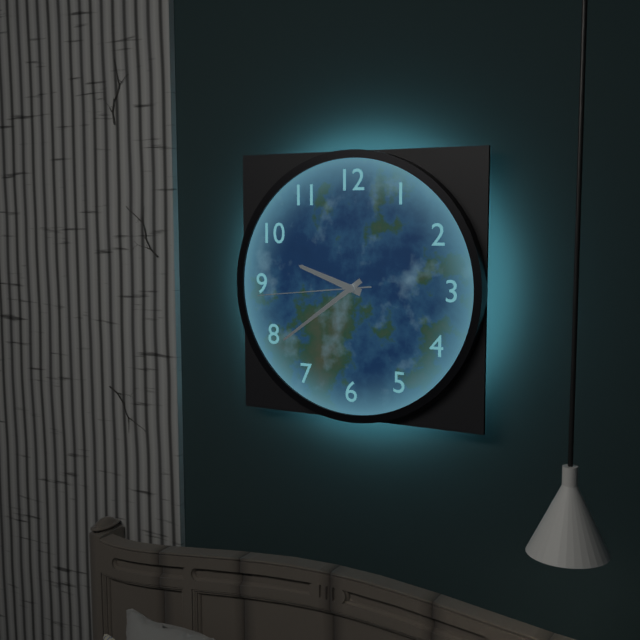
9,39,44
